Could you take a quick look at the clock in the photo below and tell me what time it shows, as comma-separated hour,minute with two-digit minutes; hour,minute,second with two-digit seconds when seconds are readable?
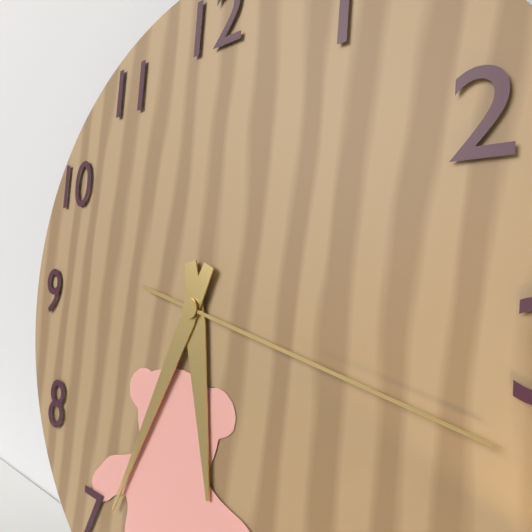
5,34,17
